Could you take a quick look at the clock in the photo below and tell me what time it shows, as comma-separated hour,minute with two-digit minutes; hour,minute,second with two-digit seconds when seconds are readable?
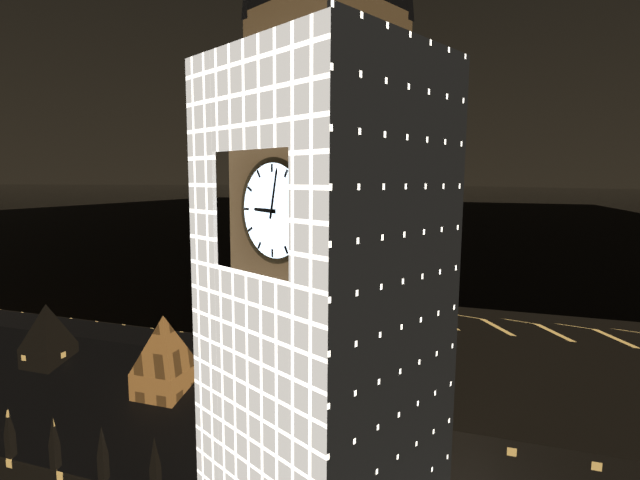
9,02
